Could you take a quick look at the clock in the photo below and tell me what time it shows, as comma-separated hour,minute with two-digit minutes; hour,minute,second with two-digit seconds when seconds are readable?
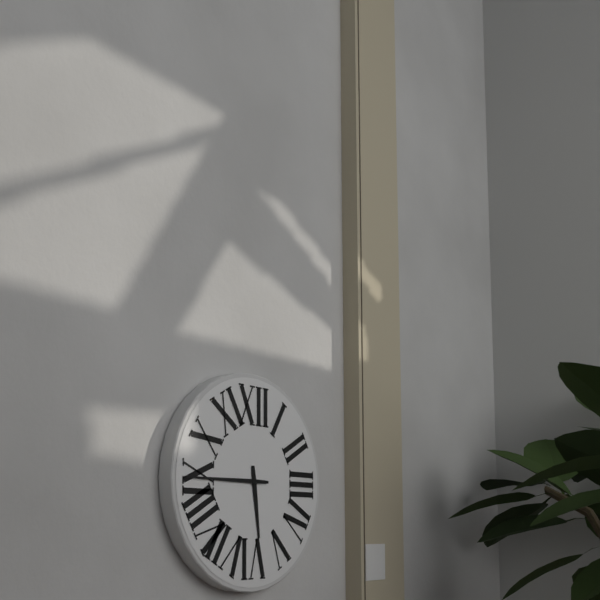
5,45
